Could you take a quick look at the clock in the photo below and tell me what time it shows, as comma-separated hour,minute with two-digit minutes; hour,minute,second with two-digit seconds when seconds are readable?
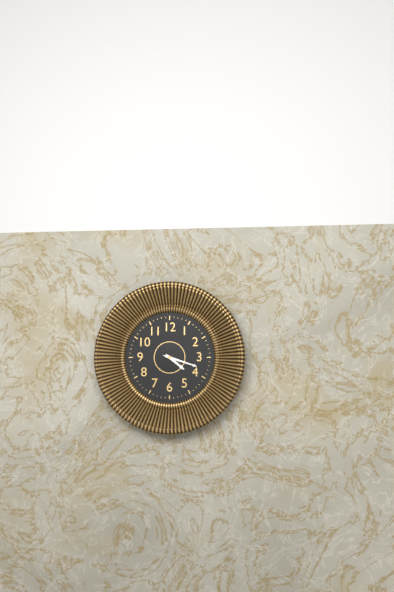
4,18
